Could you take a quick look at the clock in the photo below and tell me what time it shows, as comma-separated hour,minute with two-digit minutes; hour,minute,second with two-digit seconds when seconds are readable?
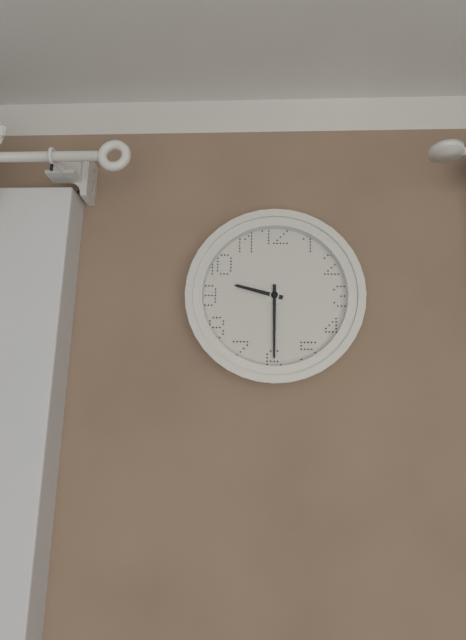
9,30
